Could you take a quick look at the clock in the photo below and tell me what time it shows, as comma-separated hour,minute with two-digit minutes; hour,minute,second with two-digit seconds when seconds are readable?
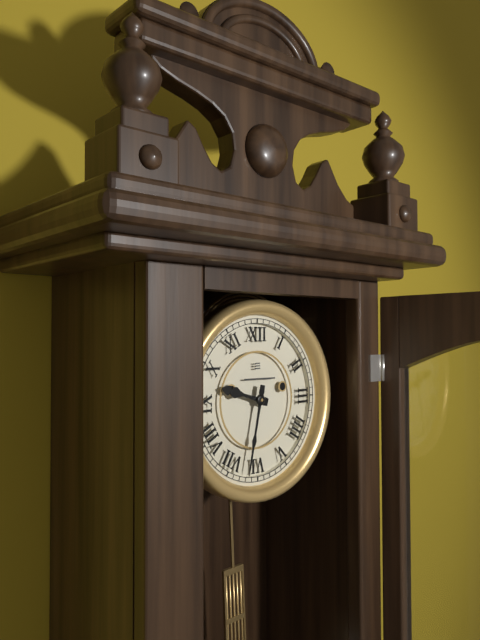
9,32
